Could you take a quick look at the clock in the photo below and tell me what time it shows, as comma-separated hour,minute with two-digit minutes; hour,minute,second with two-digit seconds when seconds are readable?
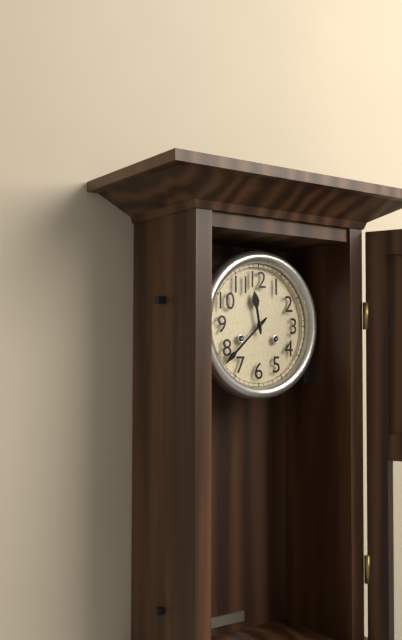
11,38
